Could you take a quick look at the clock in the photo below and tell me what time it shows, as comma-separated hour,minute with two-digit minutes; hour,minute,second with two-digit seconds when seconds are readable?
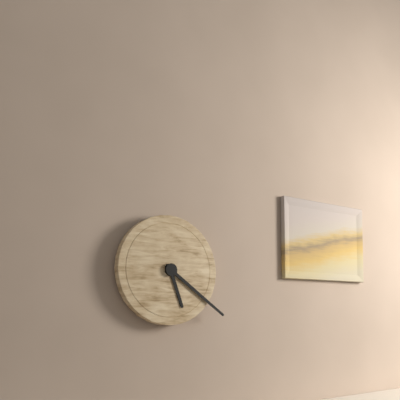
5,21
